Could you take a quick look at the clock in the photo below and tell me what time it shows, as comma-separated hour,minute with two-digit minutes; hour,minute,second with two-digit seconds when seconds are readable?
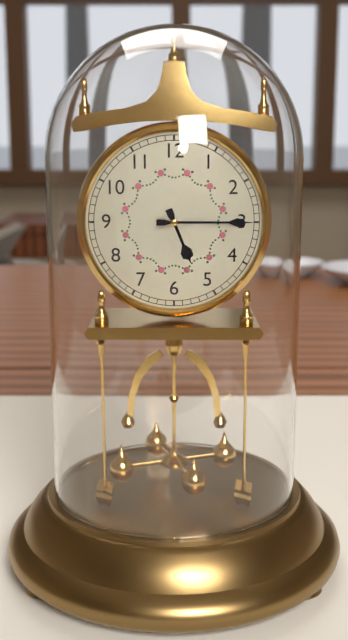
5,15
